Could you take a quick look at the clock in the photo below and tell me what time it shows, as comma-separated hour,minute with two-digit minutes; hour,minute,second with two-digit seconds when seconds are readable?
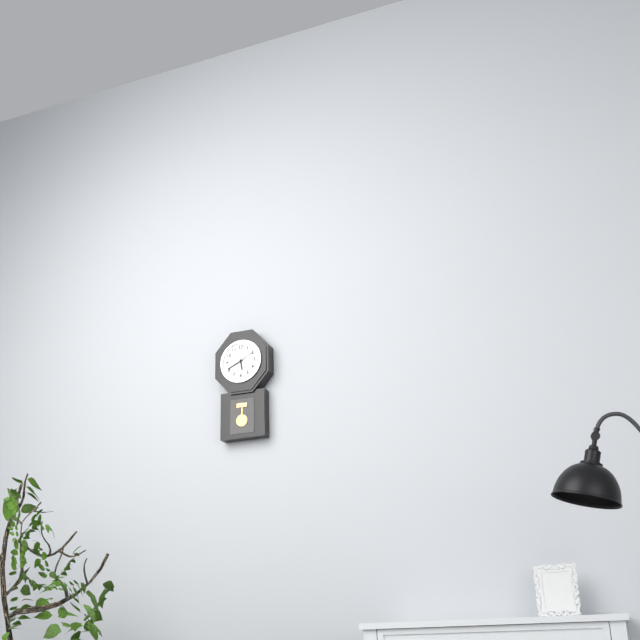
5,41
